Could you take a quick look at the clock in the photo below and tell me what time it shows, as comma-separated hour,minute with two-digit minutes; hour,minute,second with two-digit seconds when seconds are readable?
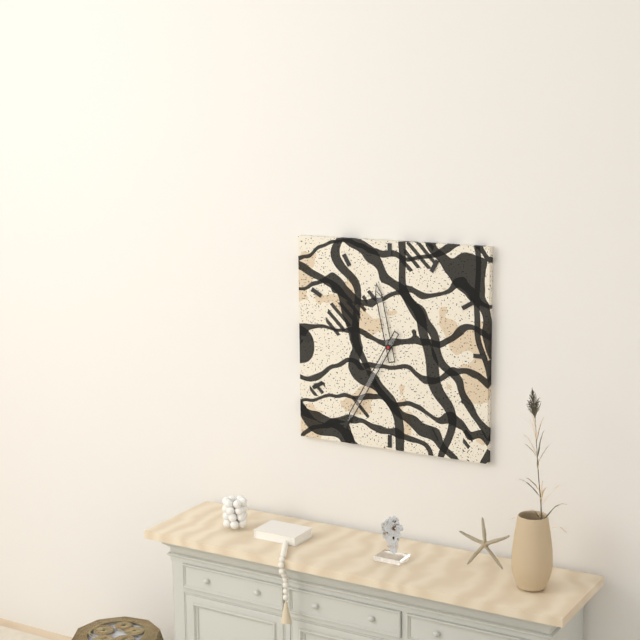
11,35
